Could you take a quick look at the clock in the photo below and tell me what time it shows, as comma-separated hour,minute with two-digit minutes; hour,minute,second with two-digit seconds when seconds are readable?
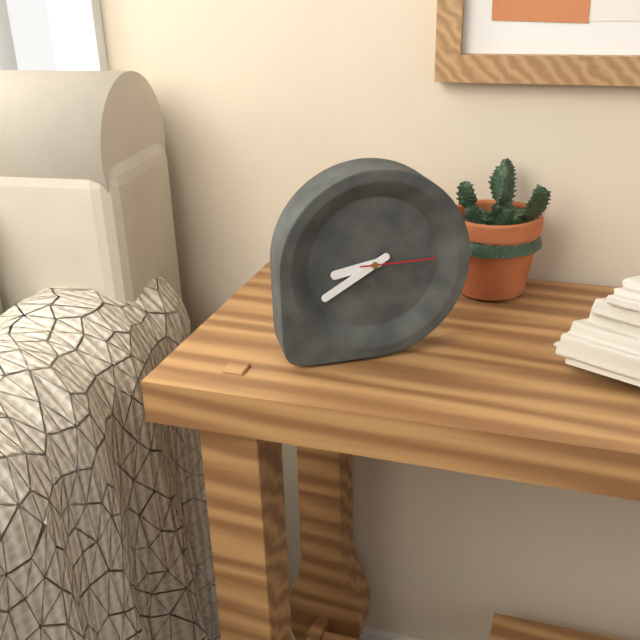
8,40,15
